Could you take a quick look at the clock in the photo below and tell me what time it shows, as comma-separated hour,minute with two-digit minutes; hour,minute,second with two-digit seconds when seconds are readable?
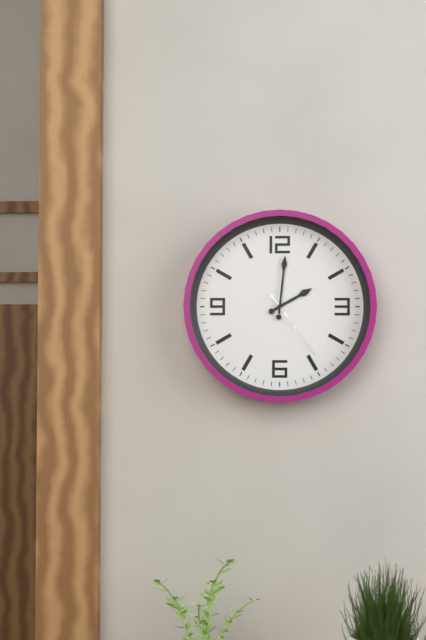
2,01,24
